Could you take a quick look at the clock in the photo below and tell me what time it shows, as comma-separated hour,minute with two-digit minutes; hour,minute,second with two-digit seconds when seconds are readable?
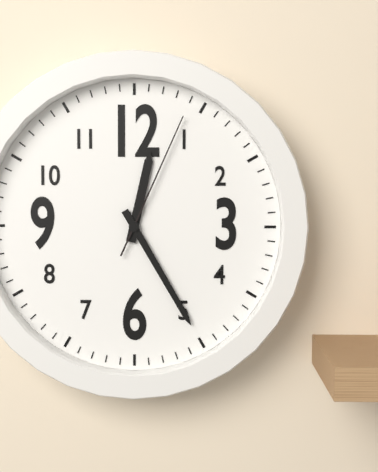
12,25,04
